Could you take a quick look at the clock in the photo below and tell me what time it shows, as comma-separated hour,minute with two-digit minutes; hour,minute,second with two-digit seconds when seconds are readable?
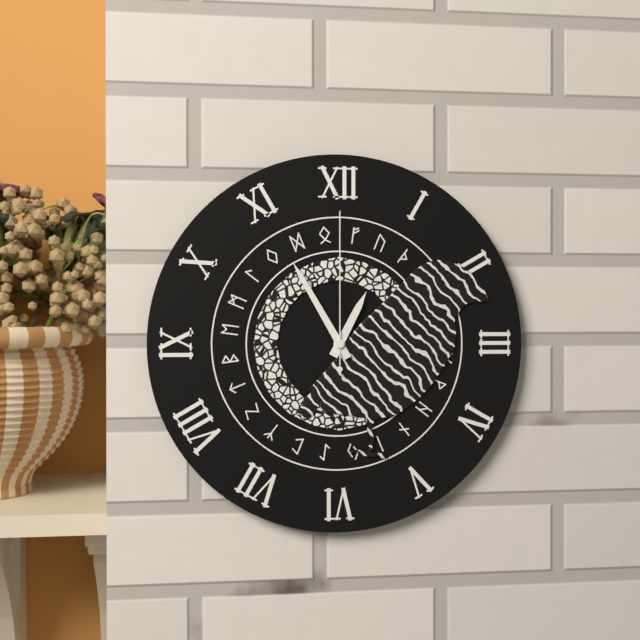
12,55,00
